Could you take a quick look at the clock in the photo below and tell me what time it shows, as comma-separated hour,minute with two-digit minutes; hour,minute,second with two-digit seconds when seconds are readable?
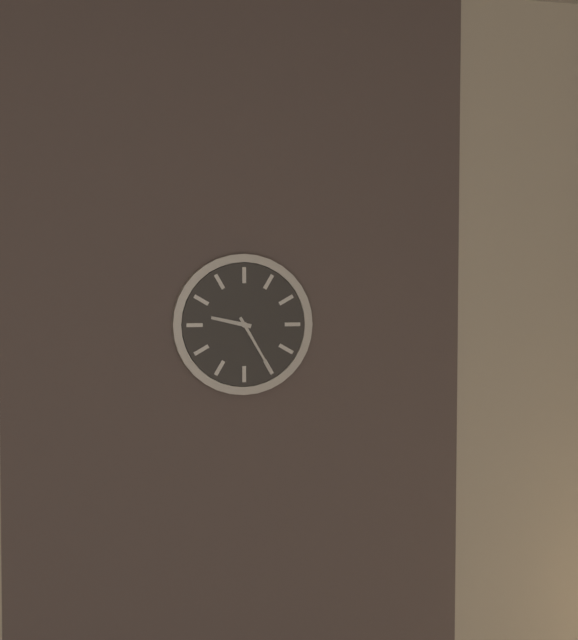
9,25
